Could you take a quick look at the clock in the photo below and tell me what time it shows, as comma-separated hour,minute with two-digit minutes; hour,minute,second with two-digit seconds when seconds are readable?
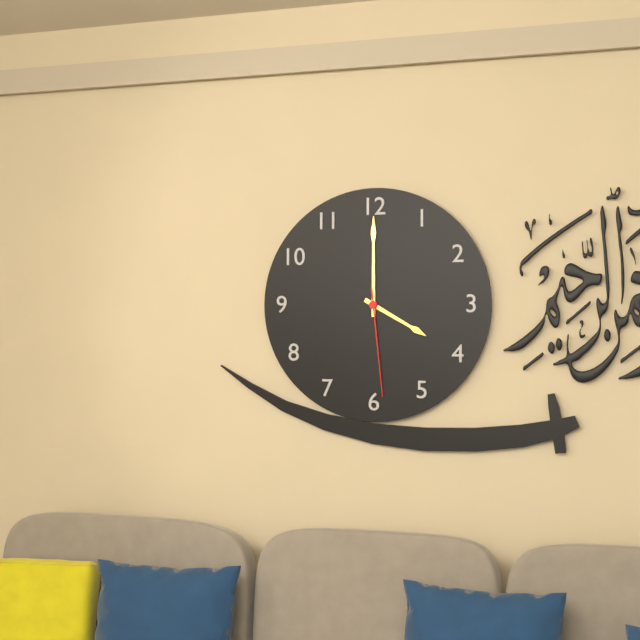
4,00,29
